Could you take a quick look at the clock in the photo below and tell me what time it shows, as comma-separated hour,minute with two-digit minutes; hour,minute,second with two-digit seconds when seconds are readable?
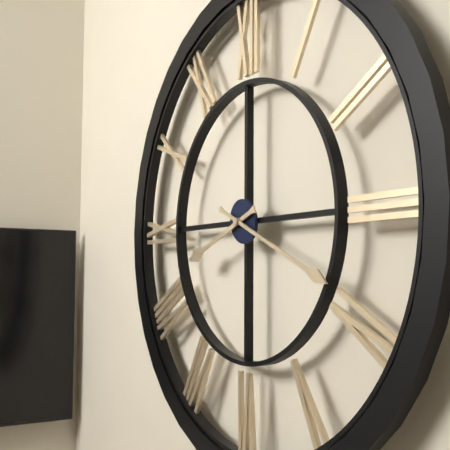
8,19
